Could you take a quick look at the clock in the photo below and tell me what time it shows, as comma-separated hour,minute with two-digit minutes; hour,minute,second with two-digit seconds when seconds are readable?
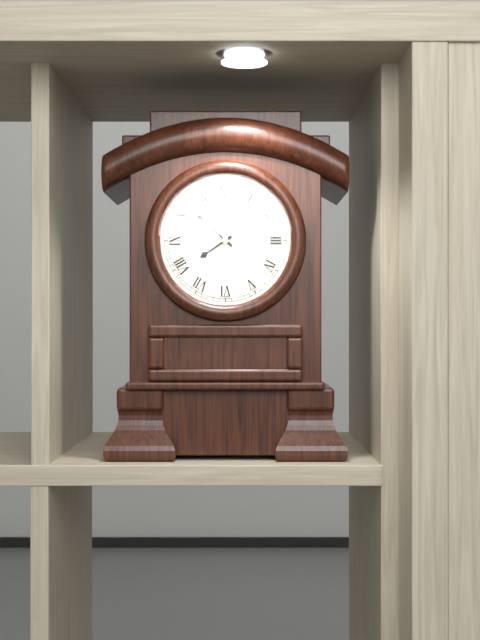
7,52
